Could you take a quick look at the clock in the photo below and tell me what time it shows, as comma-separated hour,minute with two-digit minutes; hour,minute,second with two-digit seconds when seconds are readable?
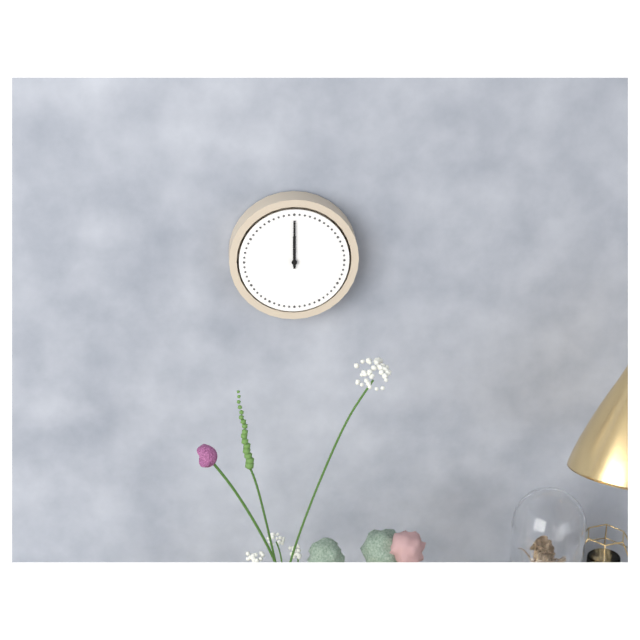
12,00
